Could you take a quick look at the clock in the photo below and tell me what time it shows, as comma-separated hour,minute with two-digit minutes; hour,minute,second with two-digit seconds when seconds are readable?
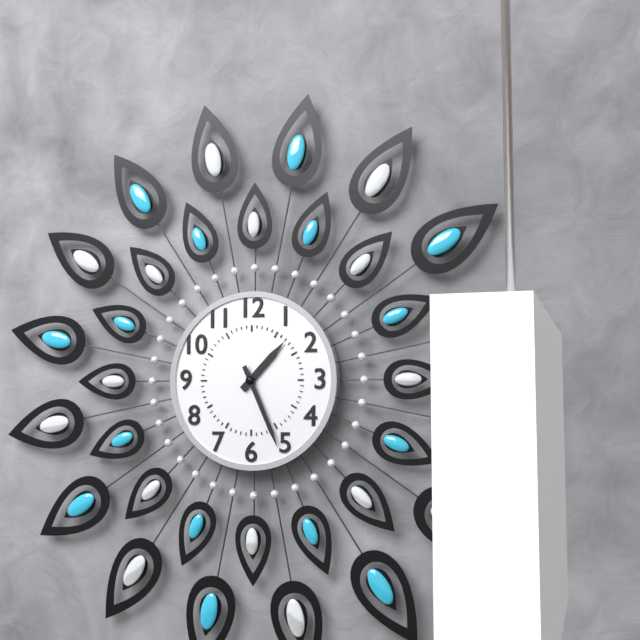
1,26
